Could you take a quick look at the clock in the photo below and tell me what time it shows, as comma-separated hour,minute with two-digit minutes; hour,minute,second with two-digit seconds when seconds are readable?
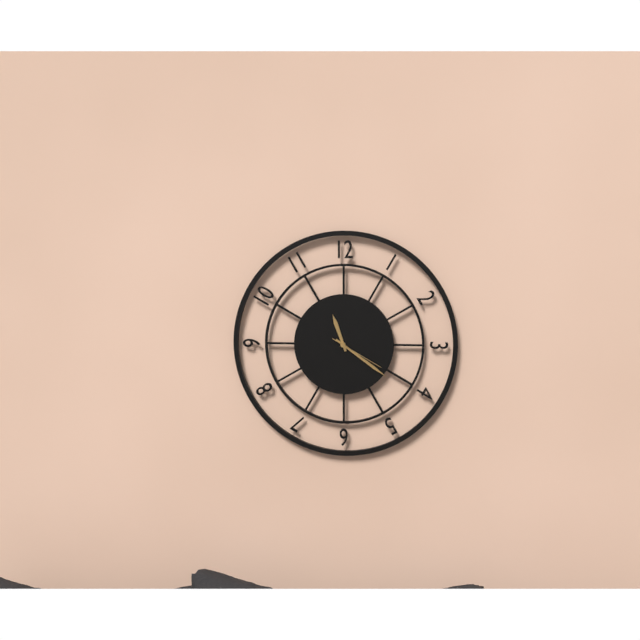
11,21,20
